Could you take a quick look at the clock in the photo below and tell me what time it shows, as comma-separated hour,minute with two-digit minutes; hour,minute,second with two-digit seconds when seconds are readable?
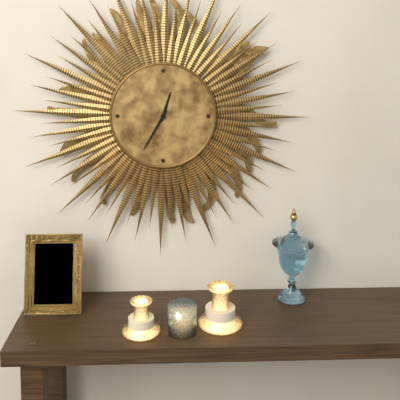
12,35
